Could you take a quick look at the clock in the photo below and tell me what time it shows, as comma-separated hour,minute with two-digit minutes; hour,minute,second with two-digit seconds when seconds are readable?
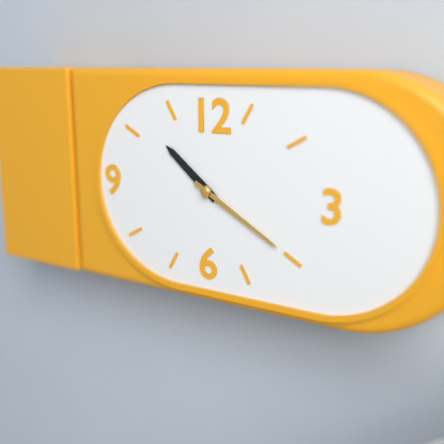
10,20
